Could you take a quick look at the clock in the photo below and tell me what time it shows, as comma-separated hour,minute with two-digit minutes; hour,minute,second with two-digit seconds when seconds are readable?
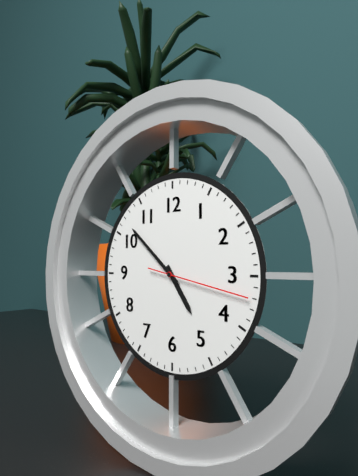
4,52,17
